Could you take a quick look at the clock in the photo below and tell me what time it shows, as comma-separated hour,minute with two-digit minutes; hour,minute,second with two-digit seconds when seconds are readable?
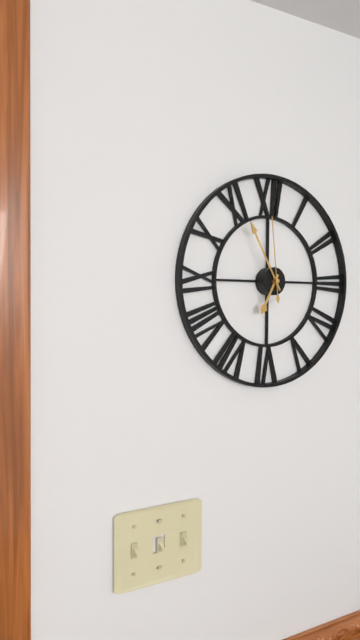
6,55,59
